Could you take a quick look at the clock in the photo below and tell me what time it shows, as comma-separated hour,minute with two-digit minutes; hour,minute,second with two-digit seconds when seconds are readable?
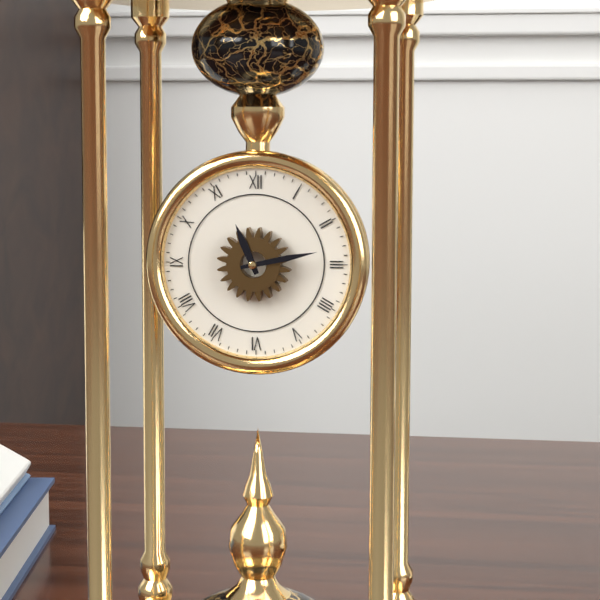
11,13
